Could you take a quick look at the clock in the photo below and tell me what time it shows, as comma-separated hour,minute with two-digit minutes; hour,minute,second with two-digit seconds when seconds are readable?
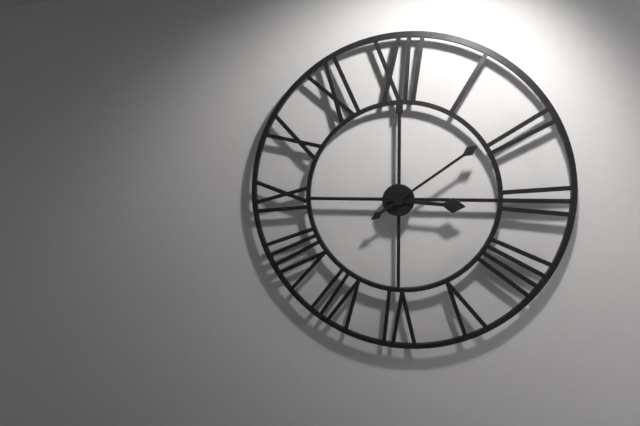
3,09
